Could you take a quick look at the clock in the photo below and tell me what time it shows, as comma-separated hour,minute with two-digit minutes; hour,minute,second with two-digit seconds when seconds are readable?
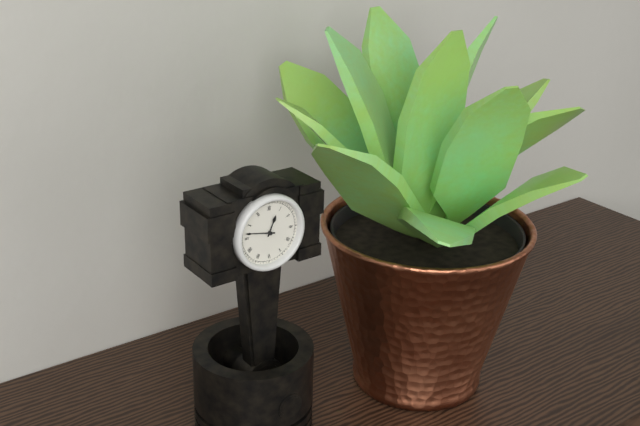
12,47
